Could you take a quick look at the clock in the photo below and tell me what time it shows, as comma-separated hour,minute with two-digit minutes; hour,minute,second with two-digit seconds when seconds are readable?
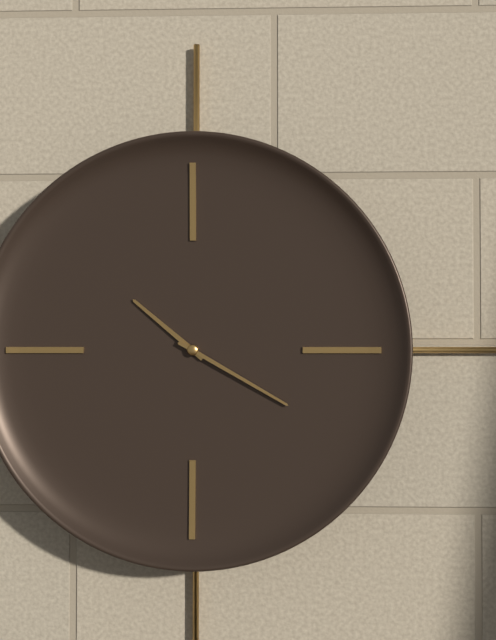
10,20
